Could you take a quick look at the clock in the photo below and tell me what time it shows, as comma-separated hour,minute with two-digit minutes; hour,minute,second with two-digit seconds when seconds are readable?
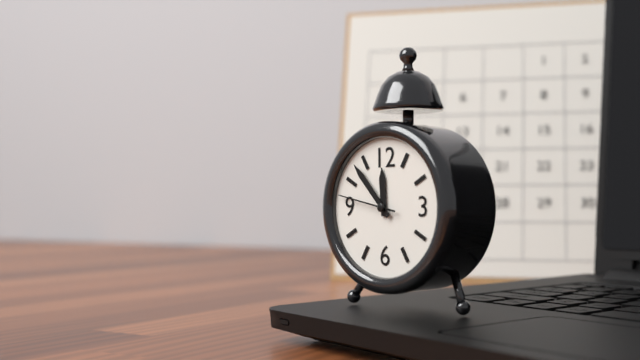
11,53,47
